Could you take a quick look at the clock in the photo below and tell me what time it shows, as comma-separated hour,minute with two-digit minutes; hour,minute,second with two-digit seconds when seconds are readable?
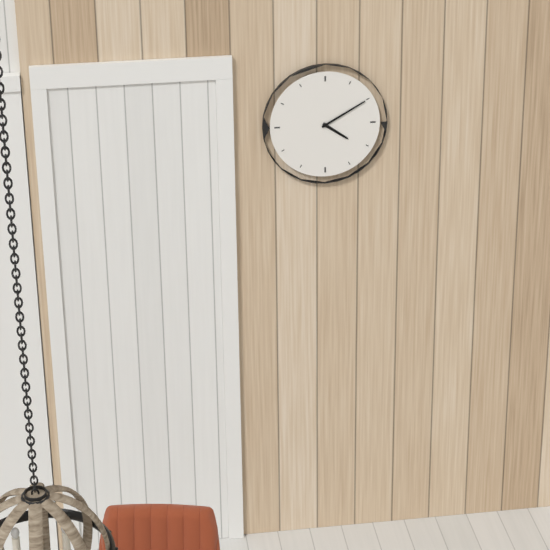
4,10
